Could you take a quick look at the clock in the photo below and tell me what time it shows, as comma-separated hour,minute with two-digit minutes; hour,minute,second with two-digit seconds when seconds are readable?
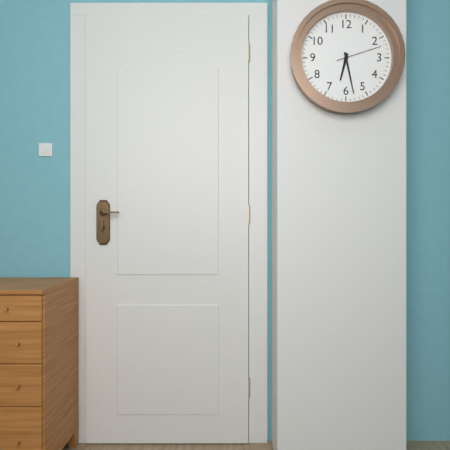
6,28
